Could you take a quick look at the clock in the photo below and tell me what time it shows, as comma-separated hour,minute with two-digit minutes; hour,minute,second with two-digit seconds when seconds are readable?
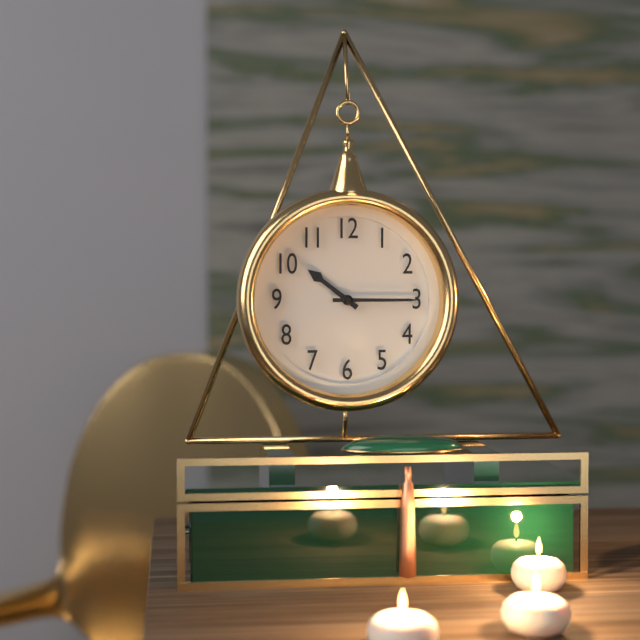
10,15
